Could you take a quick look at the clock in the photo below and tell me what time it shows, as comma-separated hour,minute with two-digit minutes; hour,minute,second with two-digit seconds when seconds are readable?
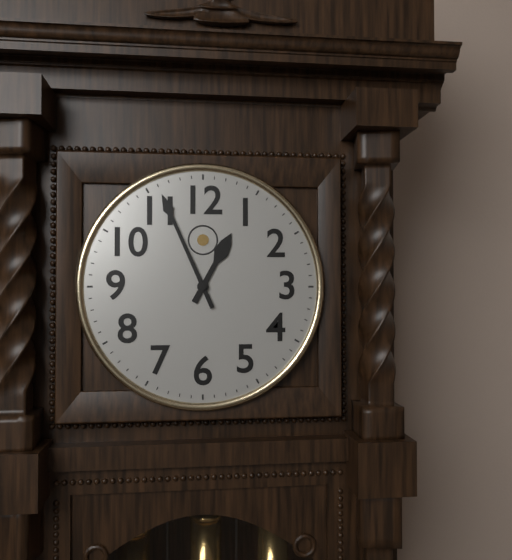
12,56
